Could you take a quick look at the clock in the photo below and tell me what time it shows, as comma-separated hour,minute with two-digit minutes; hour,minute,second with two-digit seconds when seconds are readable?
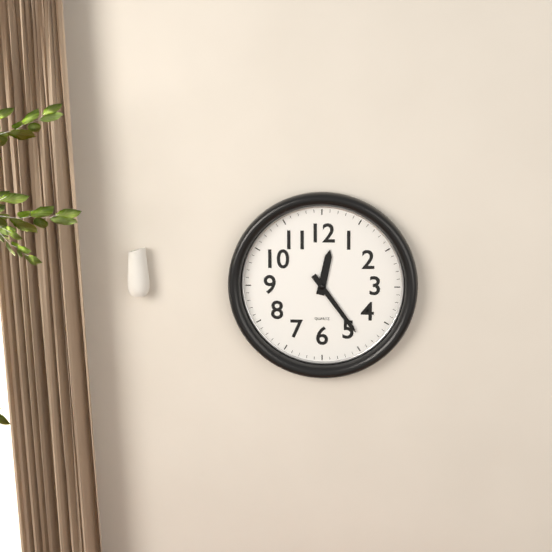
12,24
